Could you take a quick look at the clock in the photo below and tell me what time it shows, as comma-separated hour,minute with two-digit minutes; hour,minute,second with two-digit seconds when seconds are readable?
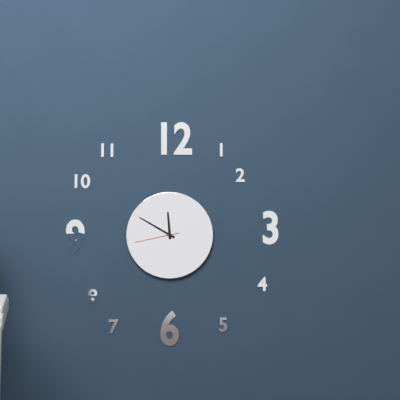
11,50
